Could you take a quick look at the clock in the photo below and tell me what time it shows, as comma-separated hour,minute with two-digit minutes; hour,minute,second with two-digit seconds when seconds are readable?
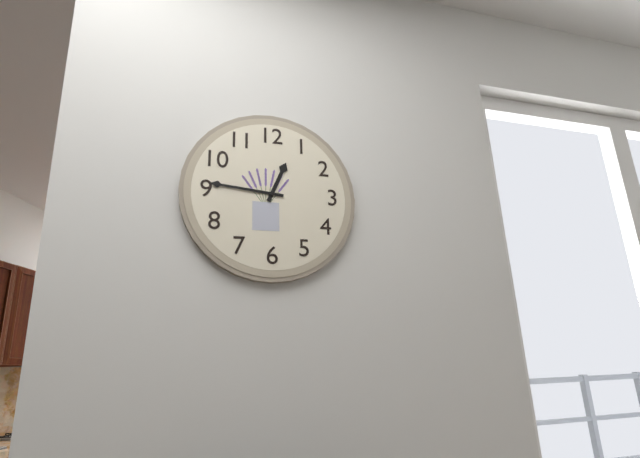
12,46
